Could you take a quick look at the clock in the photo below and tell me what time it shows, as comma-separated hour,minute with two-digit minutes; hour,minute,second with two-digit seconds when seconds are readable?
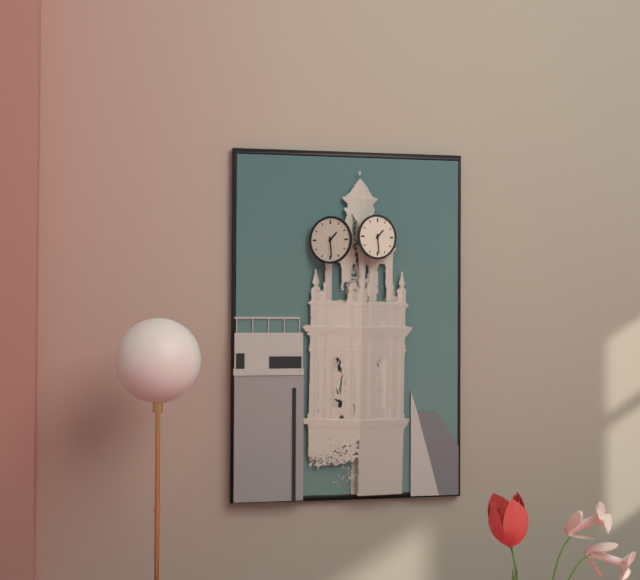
1,29
